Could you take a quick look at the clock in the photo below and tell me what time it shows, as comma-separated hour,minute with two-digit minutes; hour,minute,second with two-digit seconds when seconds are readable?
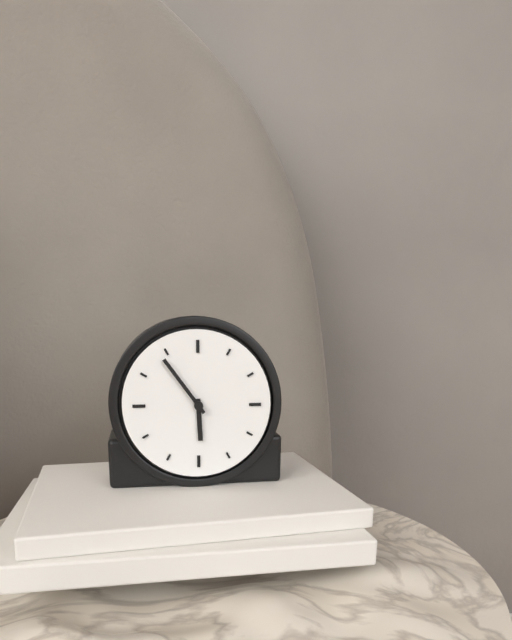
5,54
